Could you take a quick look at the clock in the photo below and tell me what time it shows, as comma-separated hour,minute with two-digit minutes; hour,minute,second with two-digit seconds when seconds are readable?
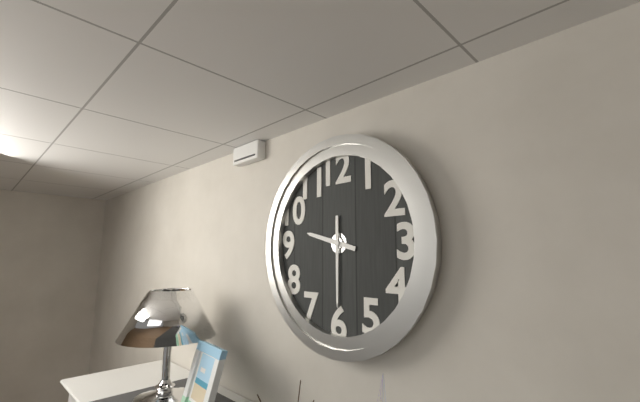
9,30
